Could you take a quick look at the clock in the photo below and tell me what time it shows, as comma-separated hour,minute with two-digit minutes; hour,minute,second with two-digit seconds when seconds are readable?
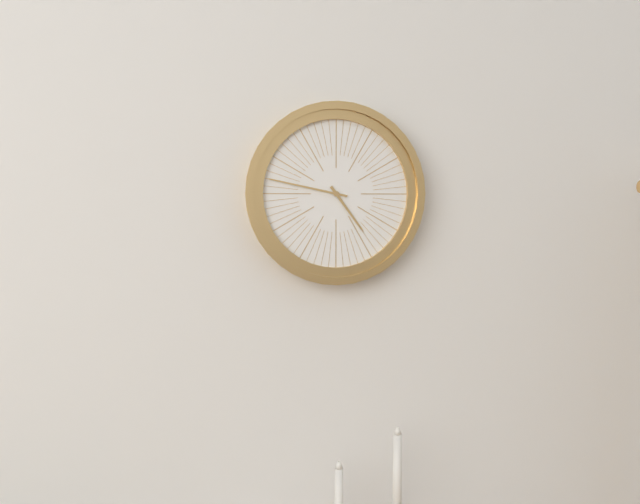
4,47
